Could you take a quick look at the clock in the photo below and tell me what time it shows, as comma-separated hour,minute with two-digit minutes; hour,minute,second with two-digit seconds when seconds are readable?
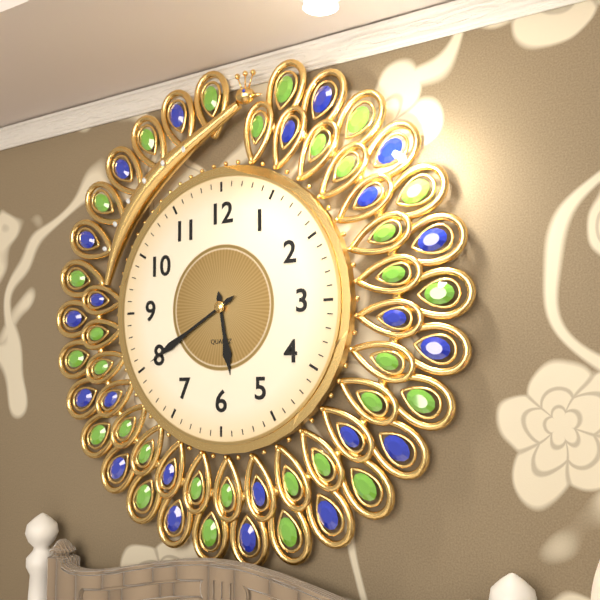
5,40
